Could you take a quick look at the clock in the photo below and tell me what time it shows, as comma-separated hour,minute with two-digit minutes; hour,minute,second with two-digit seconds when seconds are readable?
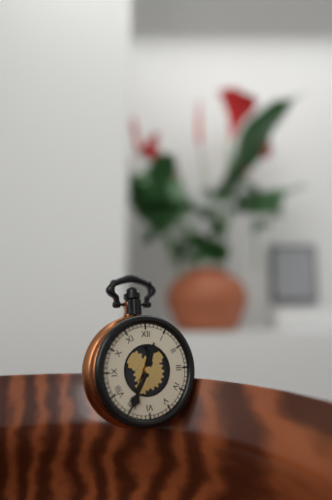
12,35
